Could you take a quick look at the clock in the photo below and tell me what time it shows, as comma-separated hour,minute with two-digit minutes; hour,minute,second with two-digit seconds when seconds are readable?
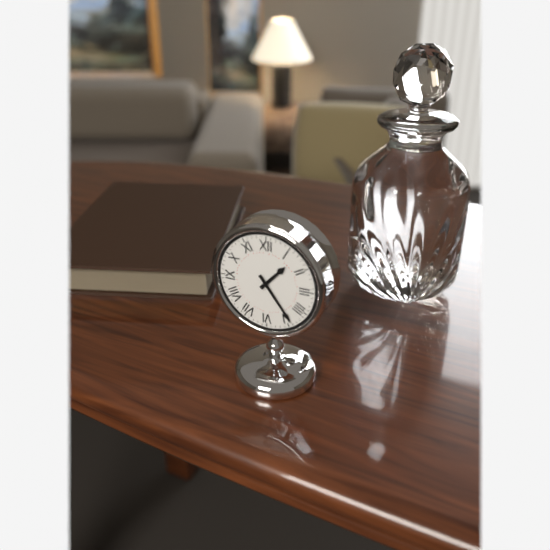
1,24
